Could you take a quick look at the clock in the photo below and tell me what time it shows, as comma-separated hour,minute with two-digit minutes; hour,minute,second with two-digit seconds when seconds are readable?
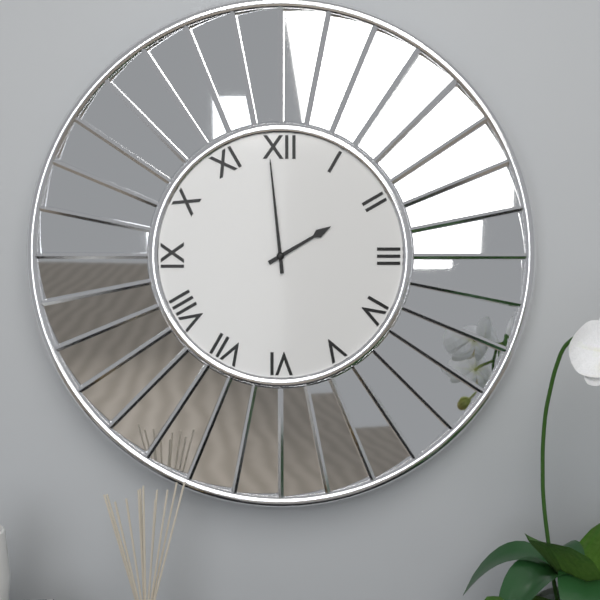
1,59
